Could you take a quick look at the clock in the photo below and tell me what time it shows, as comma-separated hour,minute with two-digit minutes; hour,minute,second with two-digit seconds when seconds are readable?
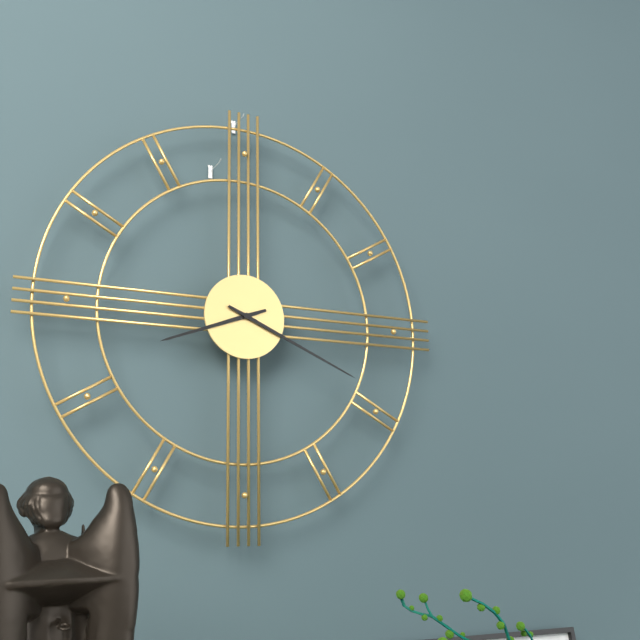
8,19
